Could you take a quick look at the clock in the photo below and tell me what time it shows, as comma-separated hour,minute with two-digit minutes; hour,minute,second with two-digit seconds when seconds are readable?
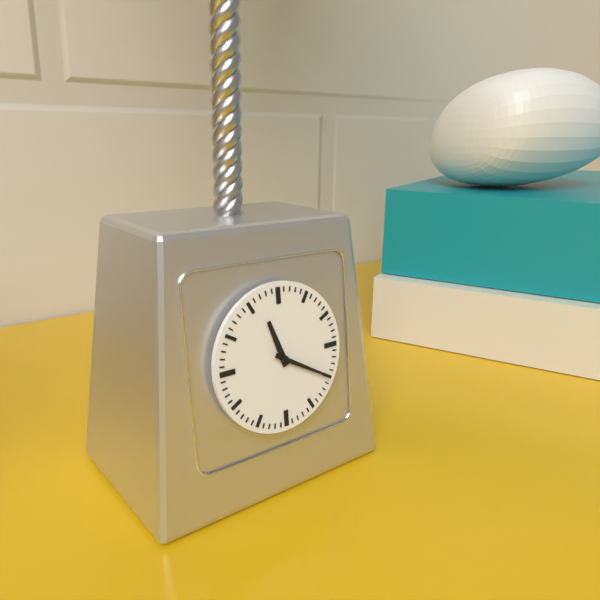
11,20
